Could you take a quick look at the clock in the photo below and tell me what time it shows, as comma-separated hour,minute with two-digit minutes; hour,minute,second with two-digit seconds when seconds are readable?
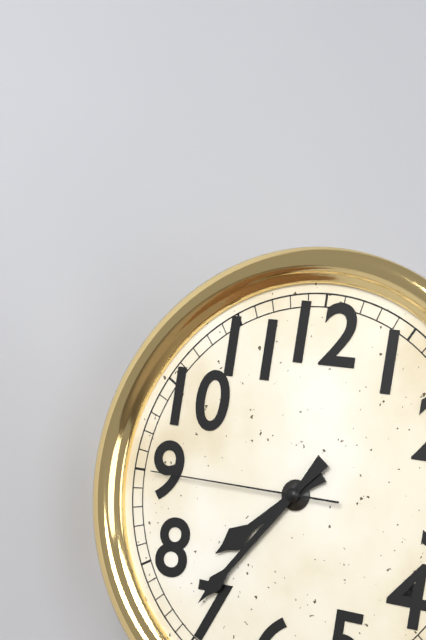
7,36,45
